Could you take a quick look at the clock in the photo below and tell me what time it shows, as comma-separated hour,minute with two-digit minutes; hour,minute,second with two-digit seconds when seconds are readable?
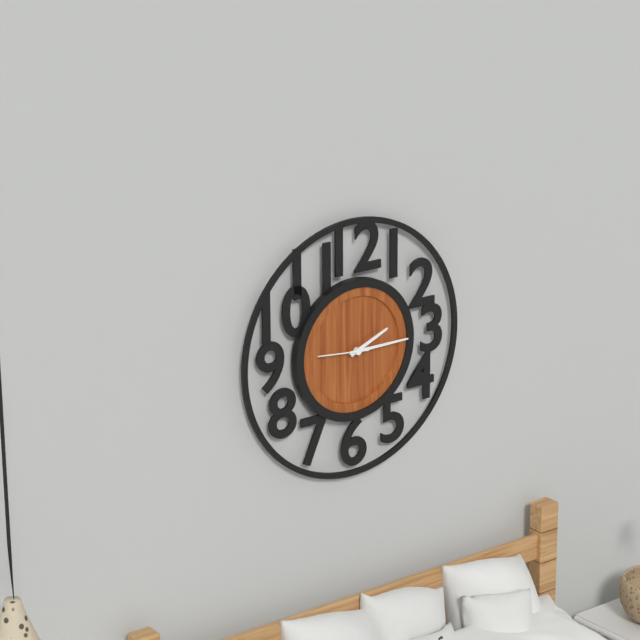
2,15,46
